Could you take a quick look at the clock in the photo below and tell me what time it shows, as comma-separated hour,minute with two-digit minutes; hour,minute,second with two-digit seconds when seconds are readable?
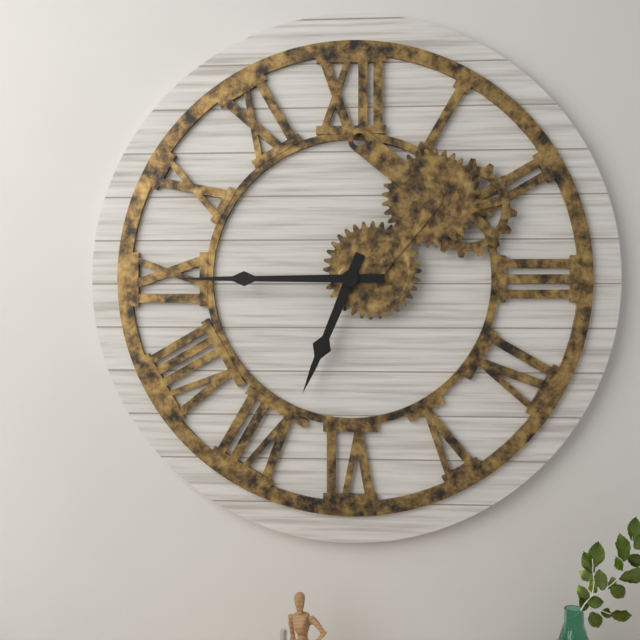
6,45
